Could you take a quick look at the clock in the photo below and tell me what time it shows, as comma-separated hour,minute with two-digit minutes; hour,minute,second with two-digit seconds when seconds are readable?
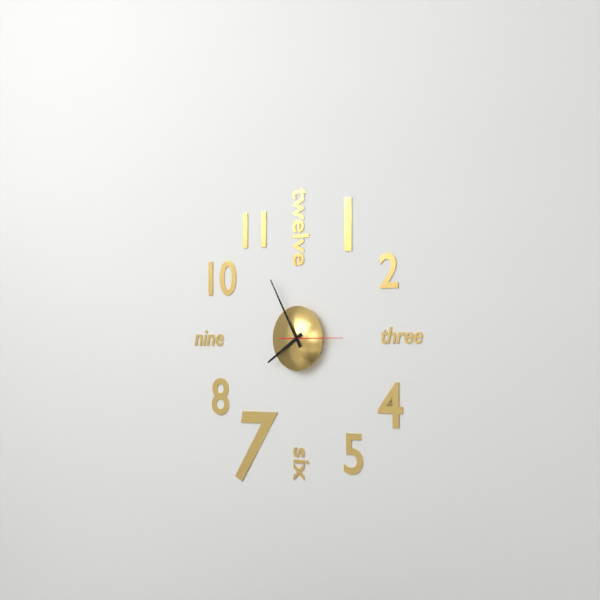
7,55,15
